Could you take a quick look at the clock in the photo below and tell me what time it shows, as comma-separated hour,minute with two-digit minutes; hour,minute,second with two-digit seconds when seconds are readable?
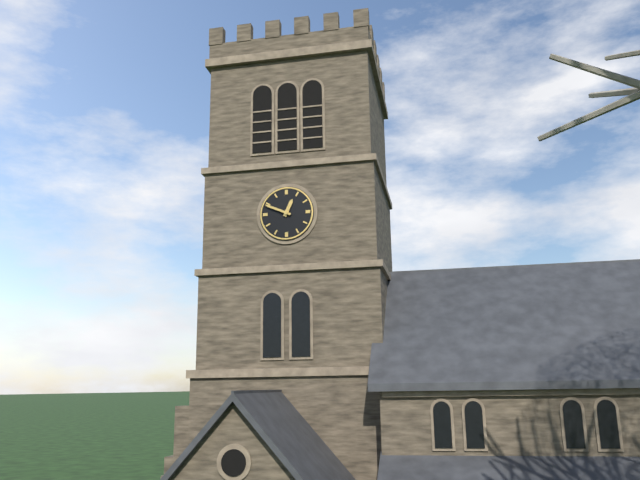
12,49
